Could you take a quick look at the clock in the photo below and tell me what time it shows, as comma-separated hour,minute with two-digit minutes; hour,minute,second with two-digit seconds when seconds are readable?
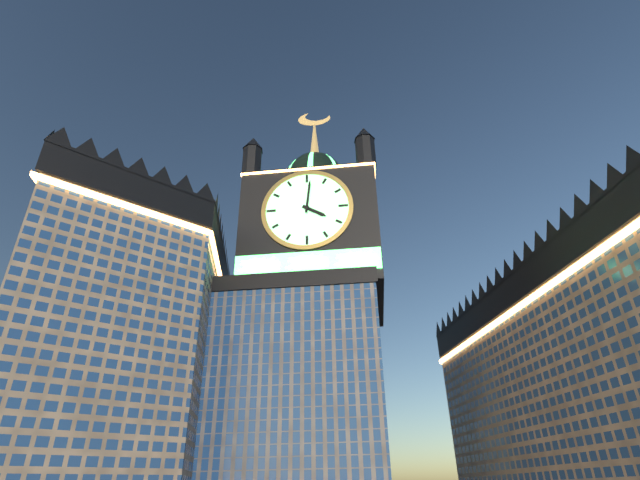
4,01
